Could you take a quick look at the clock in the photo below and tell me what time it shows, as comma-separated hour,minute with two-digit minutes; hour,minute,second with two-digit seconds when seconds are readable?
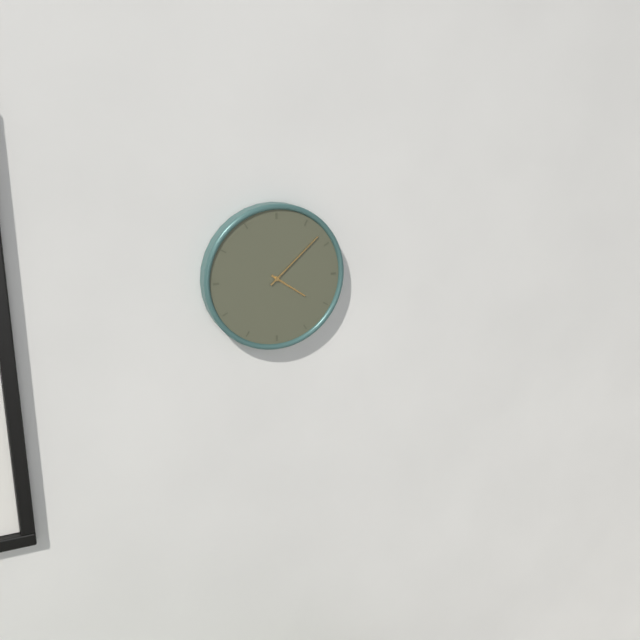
4,08
